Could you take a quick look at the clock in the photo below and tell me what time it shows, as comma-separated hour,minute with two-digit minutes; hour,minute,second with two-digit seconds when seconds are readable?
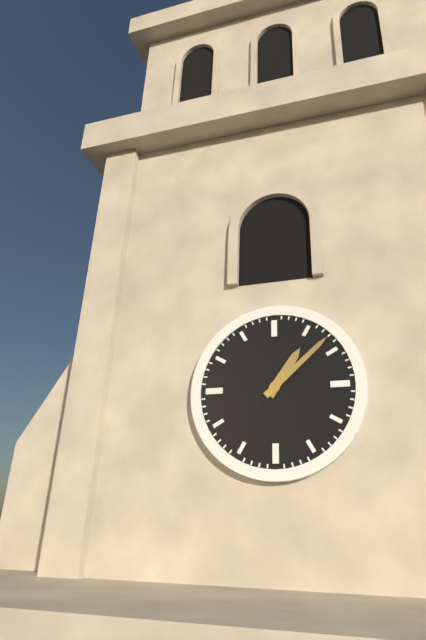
1,08
